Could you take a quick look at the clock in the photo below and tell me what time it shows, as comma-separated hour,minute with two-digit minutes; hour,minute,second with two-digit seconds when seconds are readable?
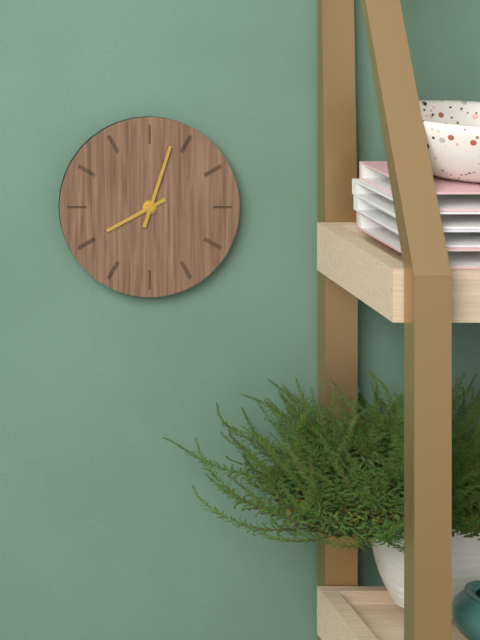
8,03
